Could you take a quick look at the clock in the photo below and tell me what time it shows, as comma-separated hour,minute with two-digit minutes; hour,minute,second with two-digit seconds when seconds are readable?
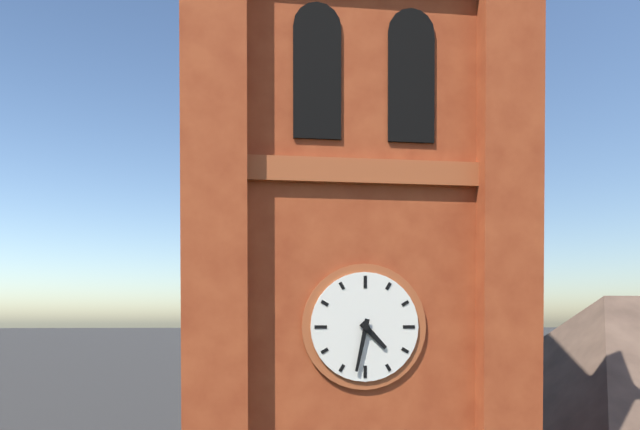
4,32
